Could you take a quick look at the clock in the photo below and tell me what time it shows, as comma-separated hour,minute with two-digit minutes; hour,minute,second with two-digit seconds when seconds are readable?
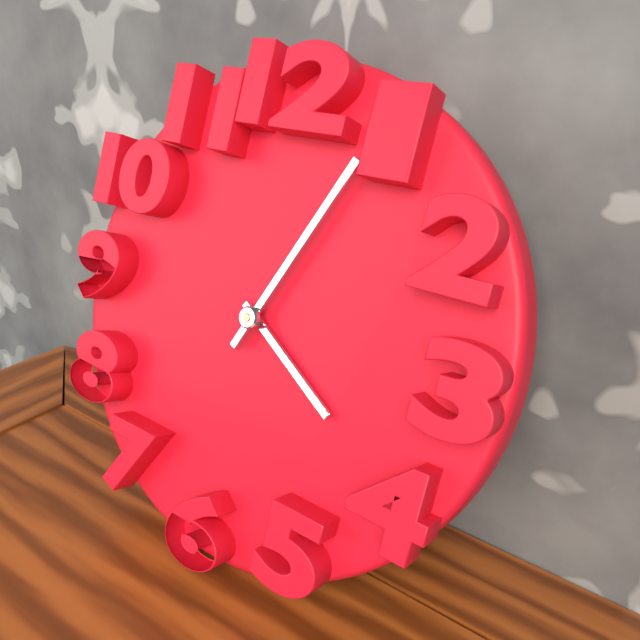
4,04
